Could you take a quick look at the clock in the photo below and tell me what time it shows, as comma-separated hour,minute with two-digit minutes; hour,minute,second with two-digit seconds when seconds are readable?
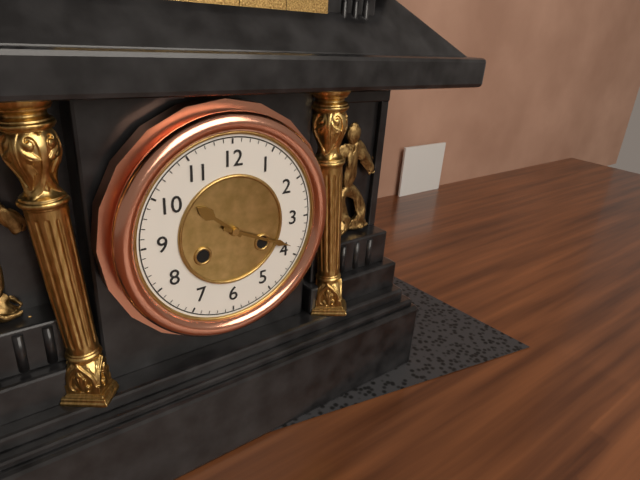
10,19
